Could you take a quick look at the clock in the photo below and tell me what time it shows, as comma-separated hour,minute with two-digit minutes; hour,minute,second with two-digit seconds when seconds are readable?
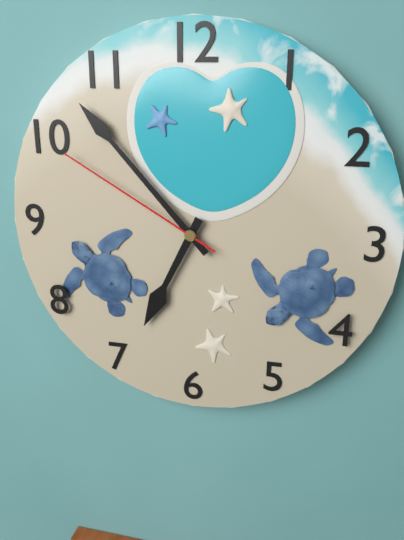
6,53,50
